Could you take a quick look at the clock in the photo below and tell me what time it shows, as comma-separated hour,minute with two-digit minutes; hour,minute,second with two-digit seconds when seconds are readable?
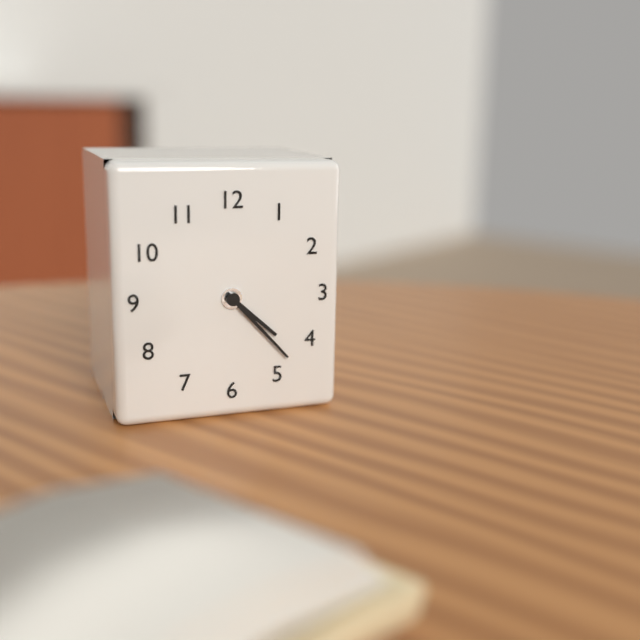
4,23
